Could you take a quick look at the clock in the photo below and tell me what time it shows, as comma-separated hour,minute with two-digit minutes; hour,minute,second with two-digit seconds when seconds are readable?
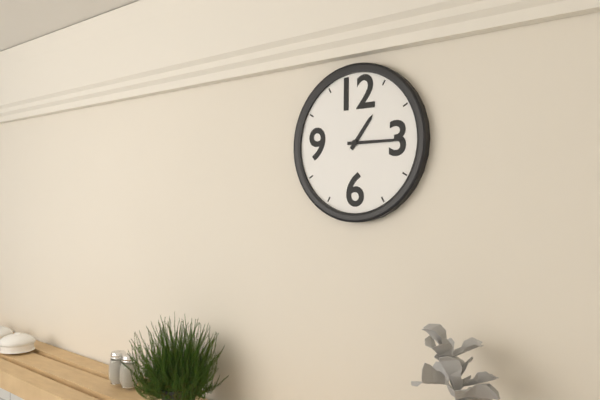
1,15
